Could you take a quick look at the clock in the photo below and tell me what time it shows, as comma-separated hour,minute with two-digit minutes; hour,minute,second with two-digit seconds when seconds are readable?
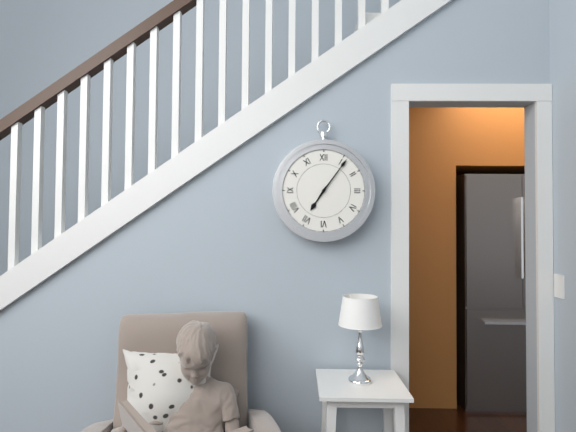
7,06
